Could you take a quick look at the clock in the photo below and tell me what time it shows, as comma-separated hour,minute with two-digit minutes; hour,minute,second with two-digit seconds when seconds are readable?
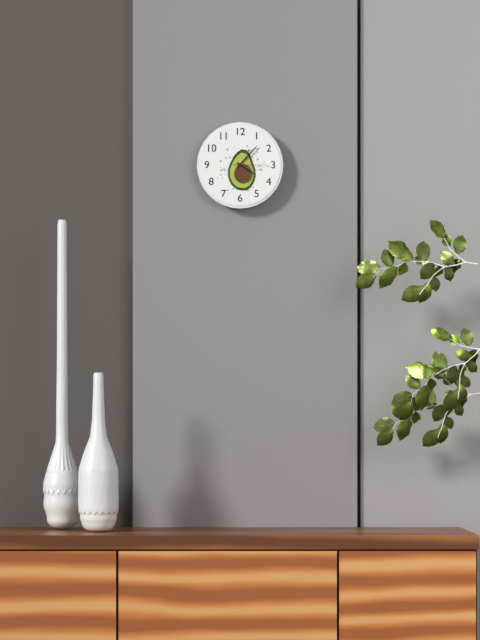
4,07
